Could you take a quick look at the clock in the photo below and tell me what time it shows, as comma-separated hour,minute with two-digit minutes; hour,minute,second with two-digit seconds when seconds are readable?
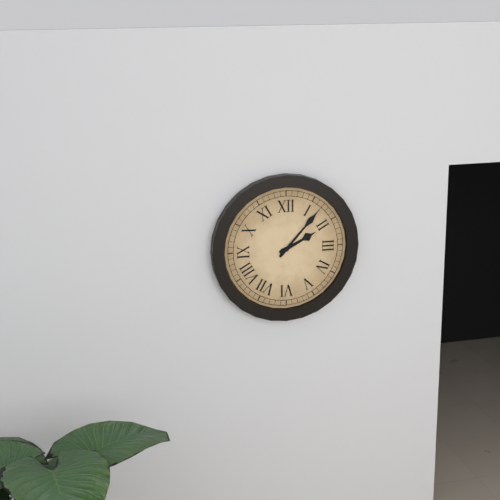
2,07
